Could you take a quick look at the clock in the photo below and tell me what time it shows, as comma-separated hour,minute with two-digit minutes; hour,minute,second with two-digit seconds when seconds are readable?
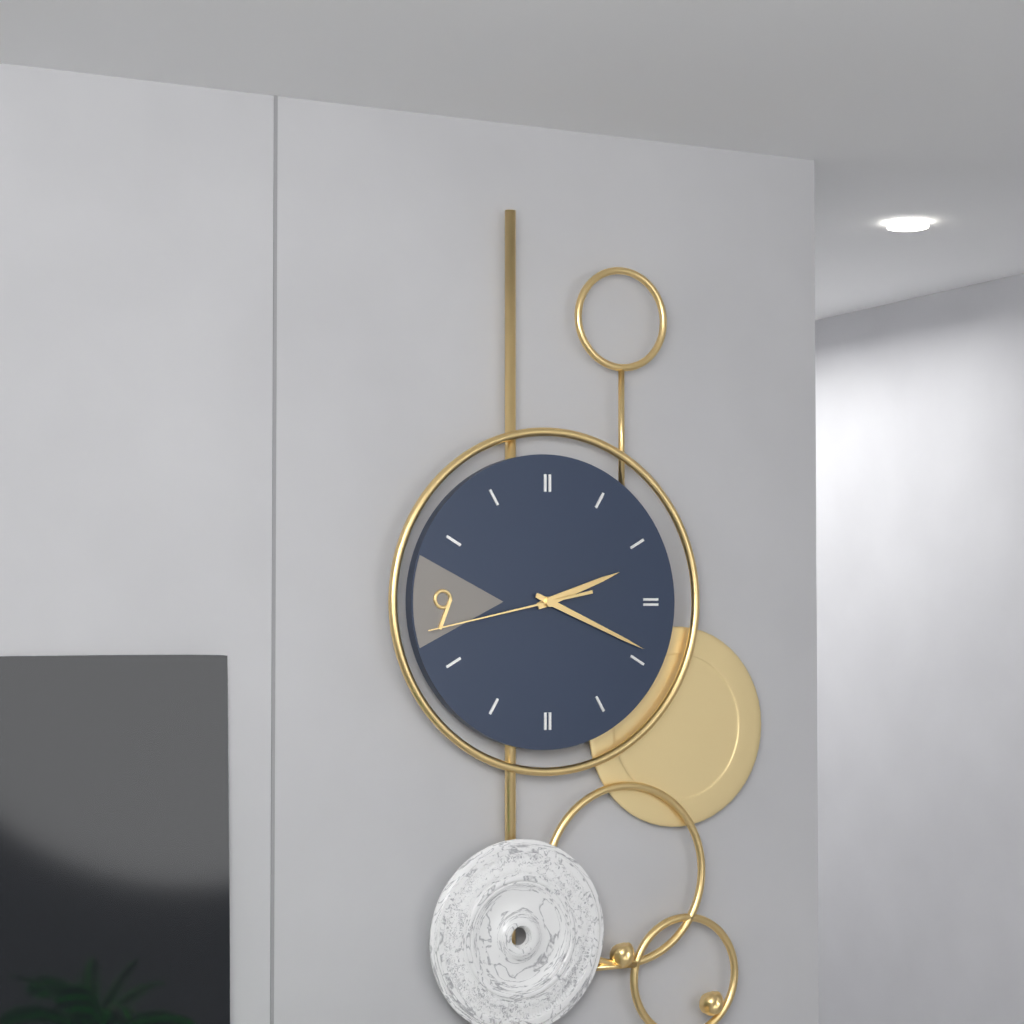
2,19,43
